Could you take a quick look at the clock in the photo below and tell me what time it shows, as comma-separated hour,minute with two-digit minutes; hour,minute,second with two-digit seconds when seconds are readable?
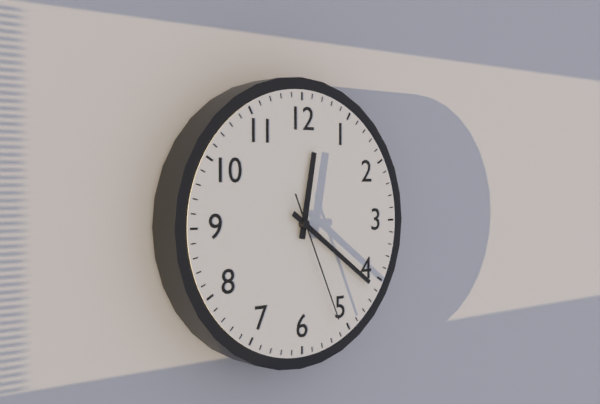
12,21,26
